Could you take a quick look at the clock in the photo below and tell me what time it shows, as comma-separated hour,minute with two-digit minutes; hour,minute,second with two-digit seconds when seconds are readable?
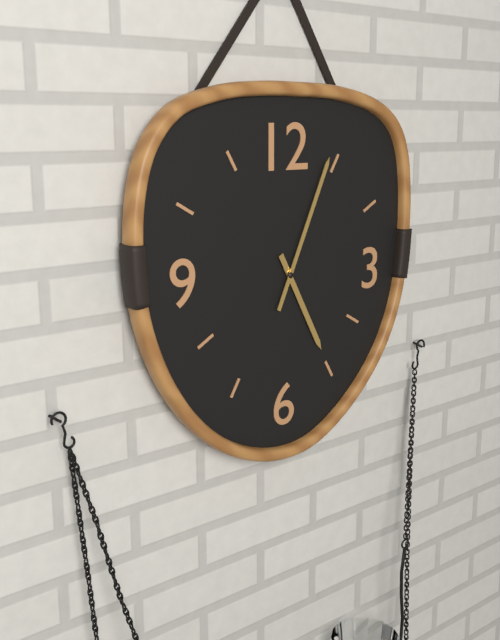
5,04
